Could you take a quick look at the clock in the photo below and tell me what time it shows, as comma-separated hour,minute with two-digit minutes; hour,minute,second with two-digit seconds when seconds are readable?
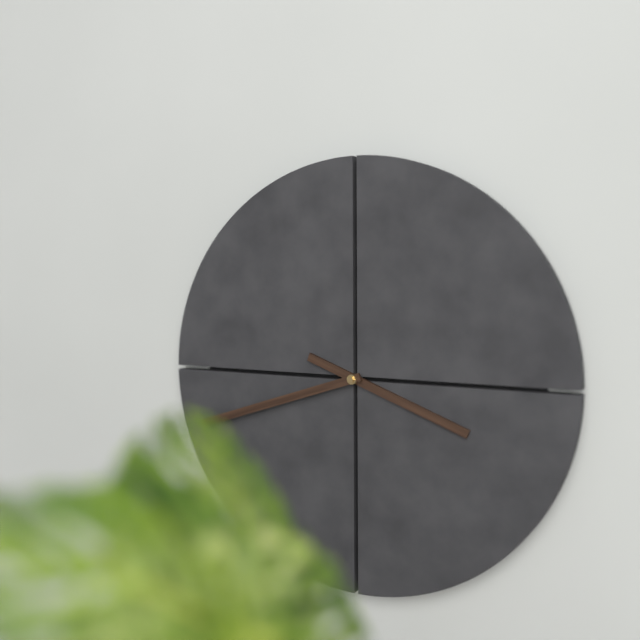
3,42
